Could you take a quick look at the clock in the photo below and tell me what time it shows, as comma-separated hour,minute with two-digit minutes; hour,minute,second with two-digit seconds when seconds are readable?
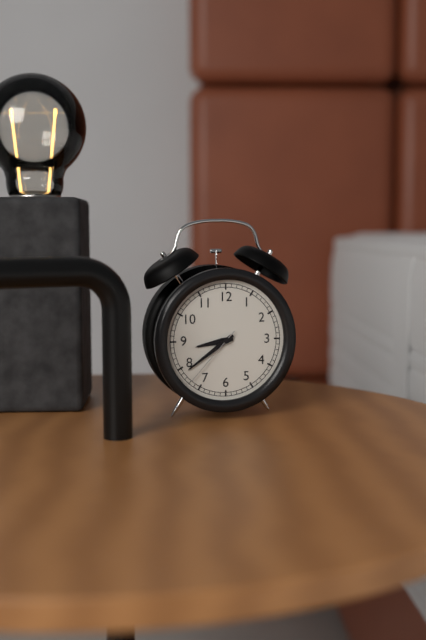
8,39,37
